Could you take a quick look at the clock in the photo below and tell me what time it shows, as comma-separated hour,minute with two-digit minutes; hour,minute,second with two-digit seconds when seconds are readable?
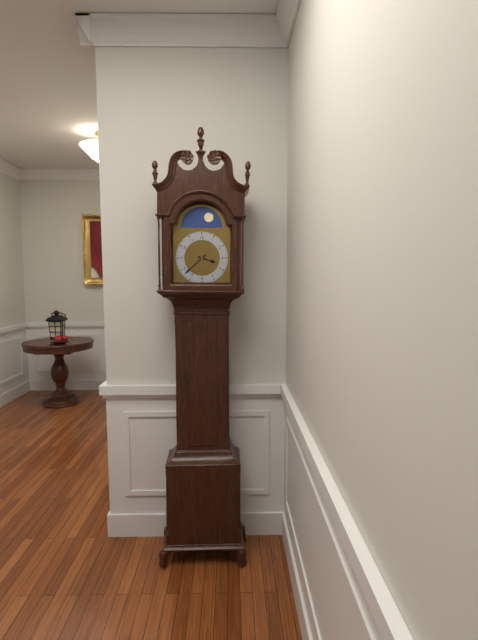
3,38
